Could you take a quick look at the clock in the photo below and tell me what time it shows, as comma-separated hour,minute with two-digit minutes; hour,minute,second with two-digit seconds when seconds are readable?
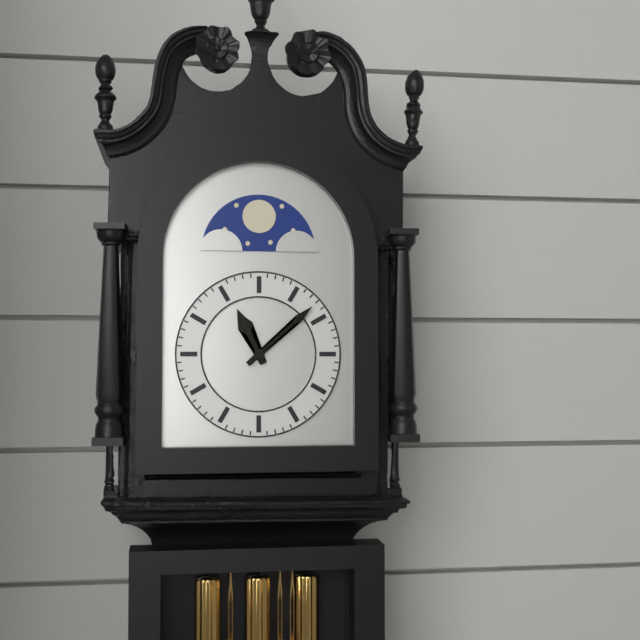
11,08
